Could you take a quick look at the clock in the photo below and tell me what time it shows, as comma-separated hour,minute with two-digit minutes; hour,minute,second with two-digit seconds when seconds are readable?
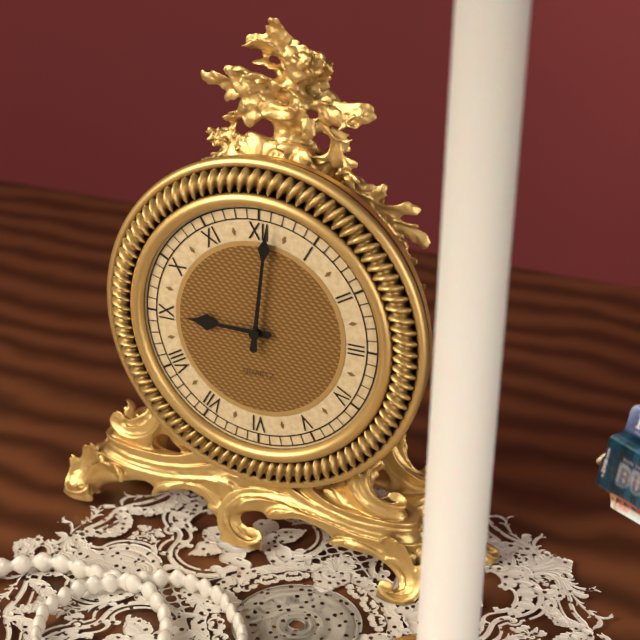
9,01
